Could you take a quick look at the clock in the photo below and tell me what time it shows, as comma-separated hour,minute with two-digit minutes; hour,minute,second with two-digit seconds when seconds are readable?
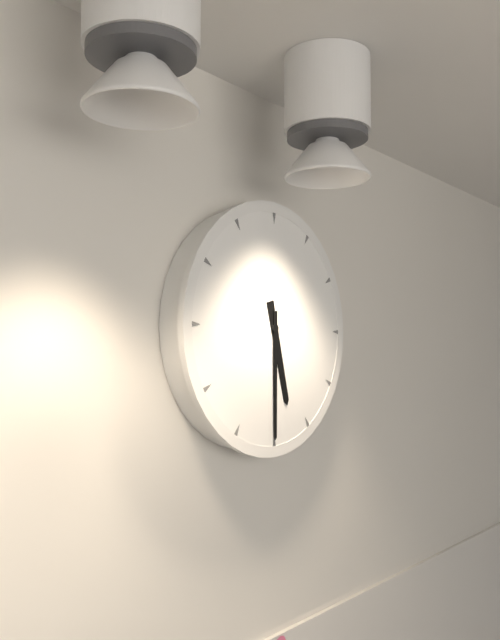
5,30
